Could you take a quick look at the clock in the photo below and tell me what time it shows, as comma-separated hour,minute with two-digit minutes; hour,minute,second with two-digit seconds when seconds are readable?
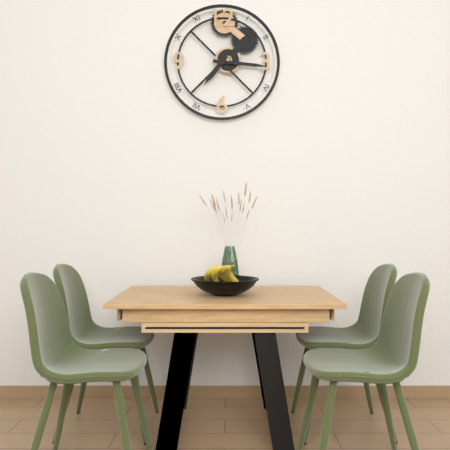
7,16
